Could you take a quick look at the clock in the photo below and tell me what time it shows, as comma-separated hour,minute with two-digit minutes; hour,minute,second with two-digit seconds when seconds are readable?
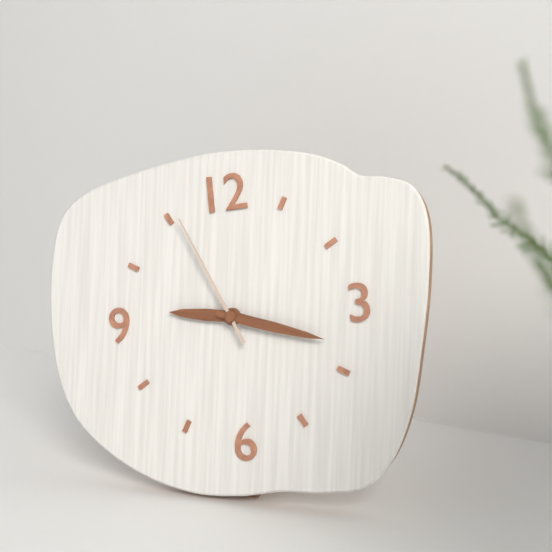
9,18,56
